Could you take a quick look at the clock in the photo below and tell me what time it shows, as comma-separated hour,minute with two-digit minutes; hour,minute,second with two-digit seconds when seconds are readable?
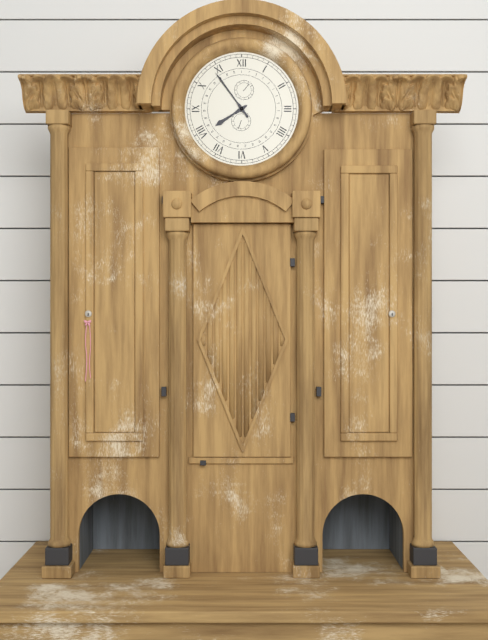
7,54
